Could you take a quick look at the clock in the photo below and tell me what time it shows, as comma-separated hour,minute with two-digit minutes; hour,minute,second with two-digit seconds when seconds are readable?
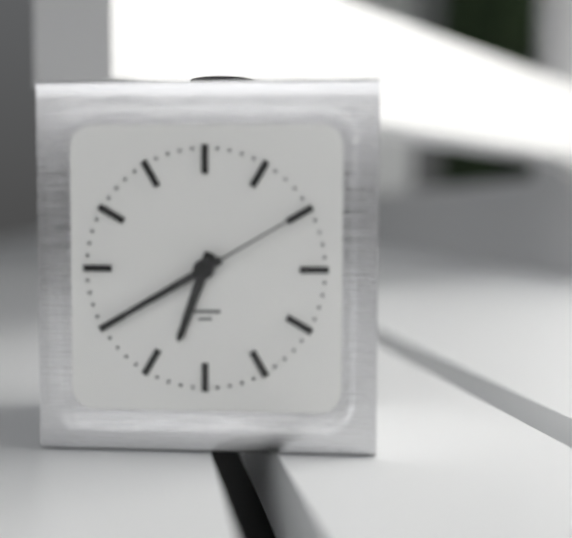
6,40,10
